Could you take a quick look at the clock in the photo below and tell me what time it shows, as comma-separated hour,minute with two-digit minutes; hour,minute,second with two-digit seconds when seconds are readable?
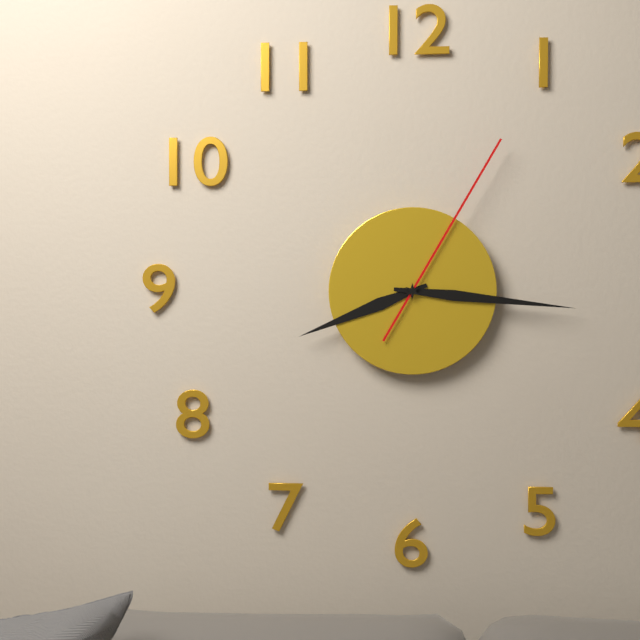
8,16,05
